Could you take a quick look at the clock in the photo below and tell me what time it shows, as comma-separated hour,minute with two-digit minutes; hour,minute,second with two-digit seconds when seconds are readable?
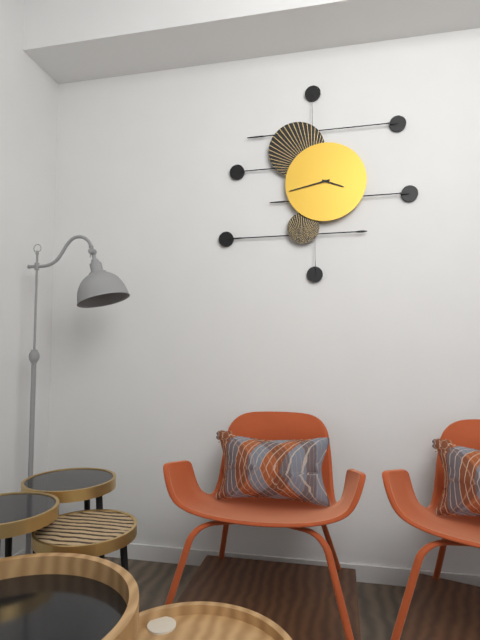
3,43
